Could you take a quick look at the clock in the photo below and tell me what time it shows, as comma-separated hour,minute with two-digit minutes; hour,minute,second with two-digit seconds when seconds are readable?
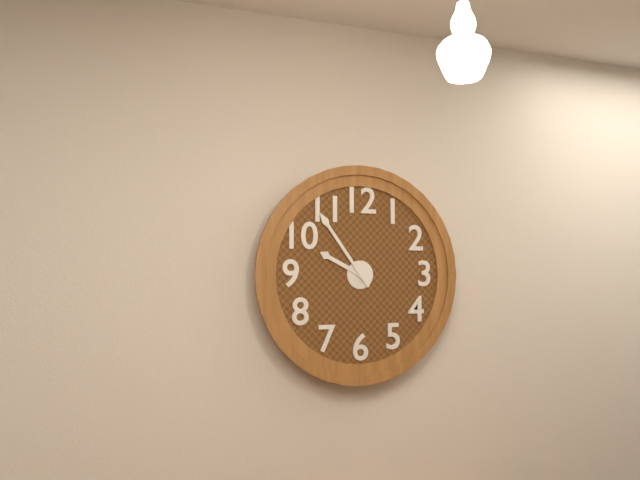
9,54
